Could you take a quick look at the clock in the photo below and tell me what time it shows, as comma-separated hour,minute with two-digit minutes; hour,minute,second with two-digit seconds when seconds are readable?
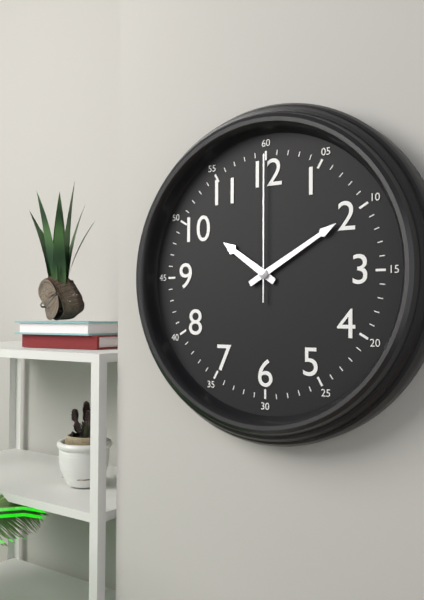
10,10,00
